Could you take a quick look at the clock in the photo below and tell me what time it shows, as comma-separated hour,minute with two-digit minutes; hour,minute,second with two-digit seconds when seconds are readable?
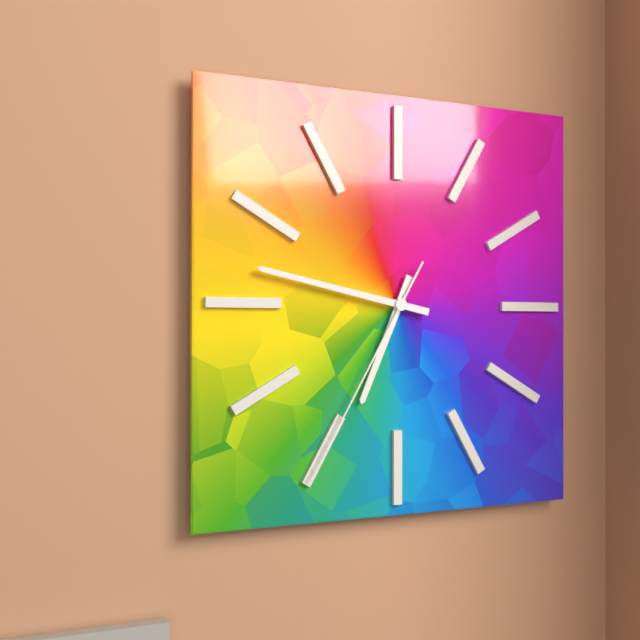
6,47,35
